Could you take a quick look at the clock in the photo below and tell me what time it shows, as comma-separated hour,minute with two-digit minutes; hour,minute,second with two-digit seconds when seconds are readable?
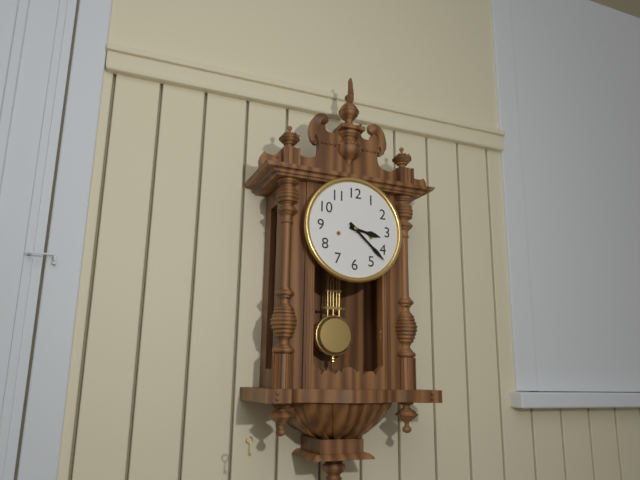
3,22
